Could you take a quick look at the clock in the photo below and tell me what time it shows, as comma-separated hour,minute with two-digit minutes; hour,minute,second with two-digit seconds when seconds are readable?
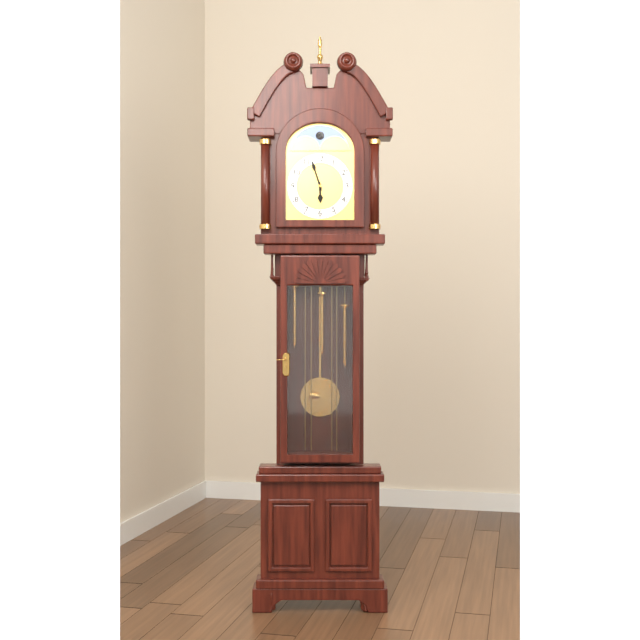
5,57
